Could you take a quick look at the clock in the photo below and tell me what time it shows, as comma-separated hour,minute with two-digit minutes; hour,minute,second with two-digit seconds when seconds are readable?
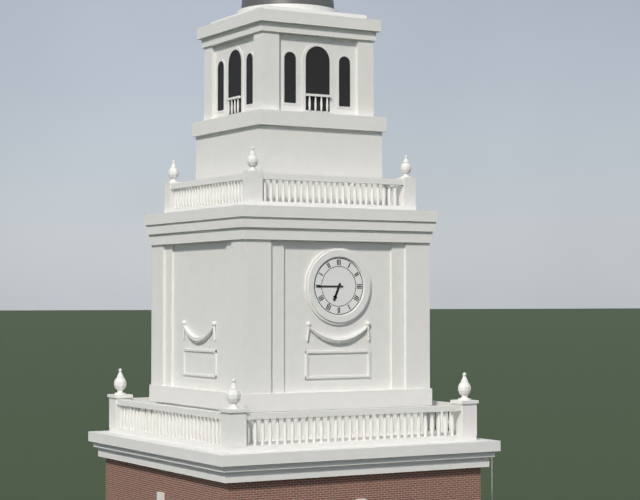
6,45
